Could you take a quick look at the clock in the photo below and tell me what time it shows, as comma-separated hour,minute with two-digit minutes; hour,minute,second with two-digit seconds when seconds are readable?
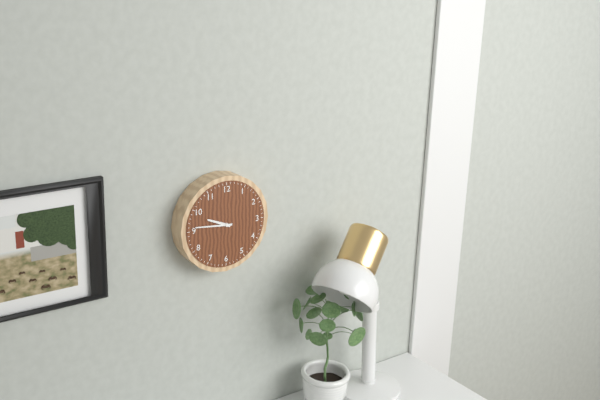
9,46
